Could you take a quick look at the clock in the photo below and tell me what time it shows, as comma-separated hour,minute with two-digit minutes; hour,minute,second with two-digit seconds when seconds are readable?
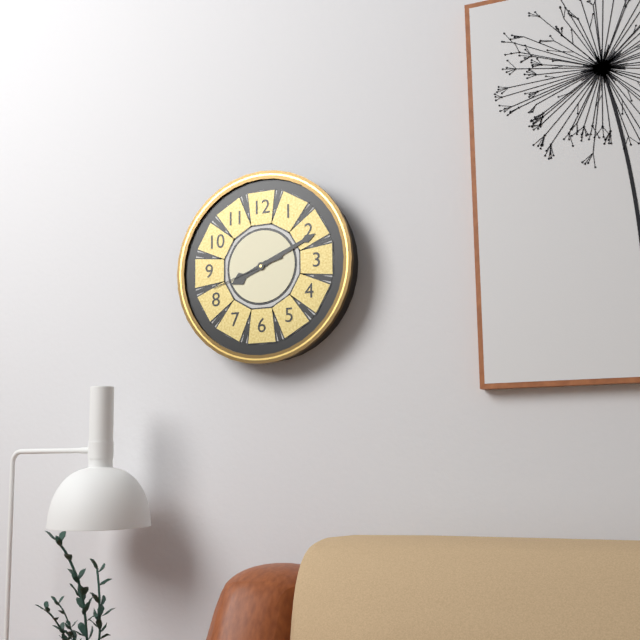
8,11,42
